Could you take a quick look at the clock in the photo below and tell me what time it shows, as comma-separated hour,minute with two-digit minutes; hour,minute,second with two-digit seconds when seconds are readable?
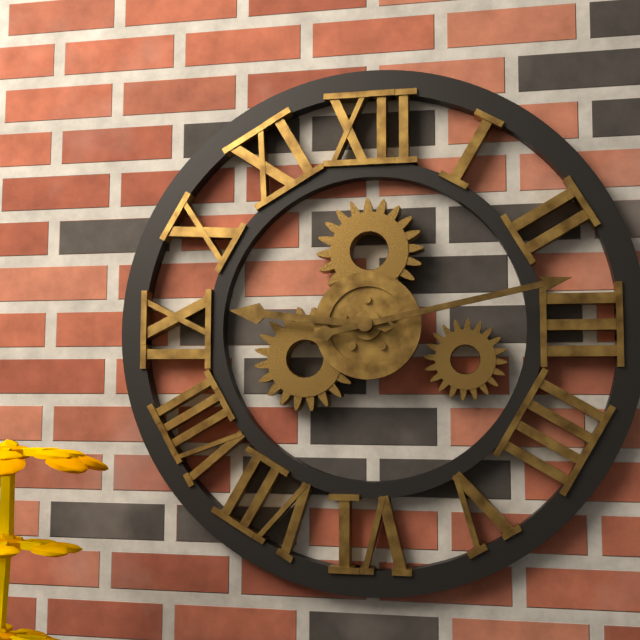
9,13
